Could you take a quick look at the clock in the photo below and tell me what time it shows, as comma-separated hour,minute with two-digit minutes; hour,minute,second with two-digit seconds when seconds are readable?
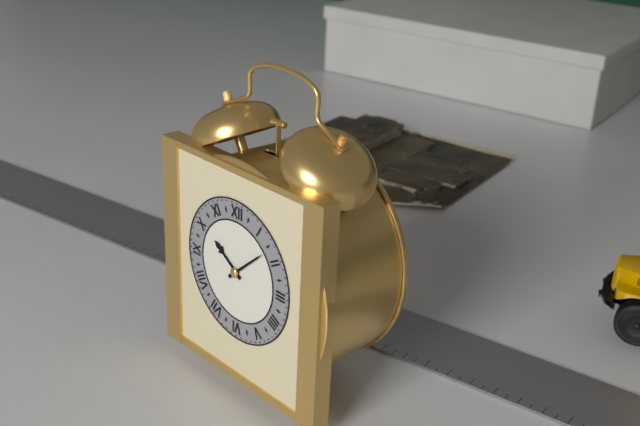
10,08
